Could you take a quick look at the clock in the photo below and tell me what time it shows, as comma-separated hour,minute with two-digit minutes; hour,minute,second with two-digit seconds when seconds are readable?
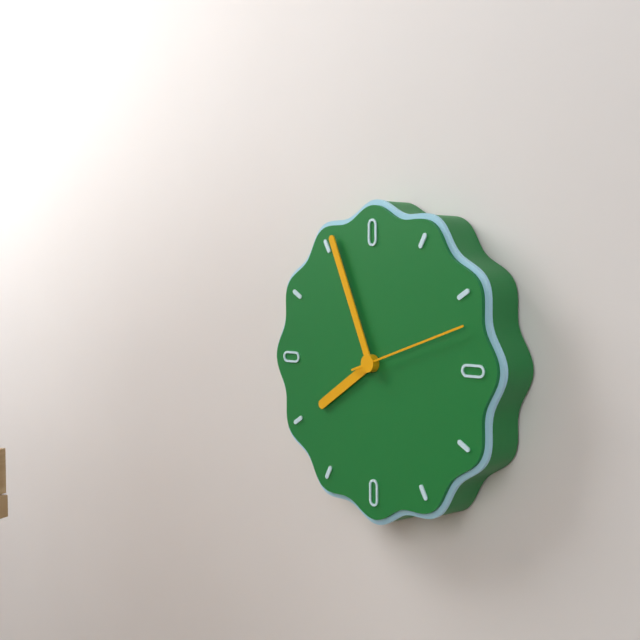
7,56,12
